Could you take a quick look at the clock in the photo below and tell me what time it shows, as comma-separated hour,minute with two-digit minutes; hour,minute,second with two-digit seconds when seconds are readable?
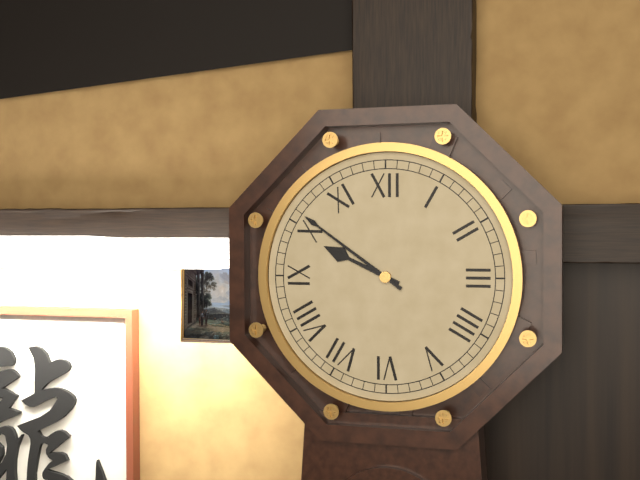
9,51
